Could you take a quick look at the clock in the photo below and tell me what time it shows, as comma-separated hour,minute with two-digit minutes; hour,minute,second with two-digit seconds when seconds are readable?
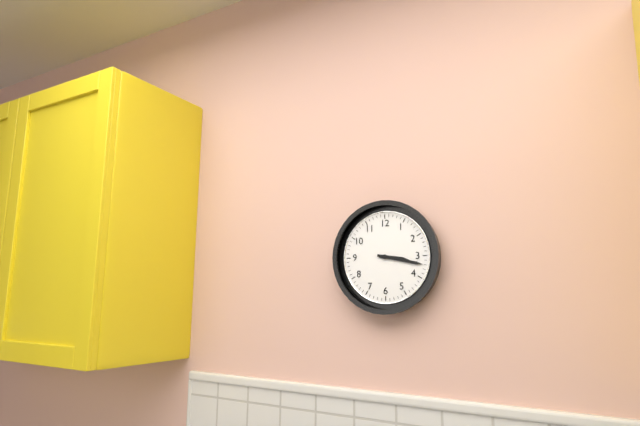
3,17
